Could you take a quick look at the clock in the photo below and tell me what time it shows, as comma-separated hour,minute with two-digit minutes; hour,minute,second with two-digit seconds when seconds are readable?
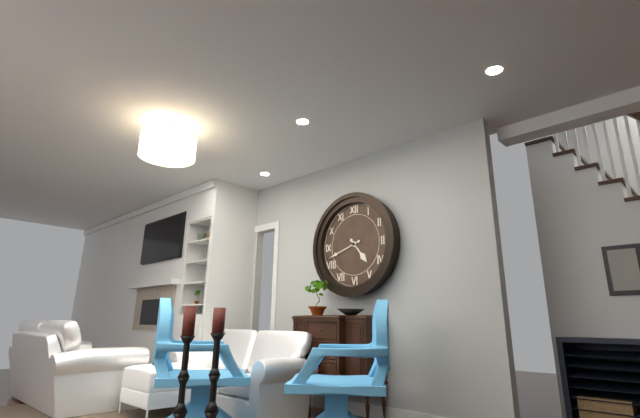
4,42
